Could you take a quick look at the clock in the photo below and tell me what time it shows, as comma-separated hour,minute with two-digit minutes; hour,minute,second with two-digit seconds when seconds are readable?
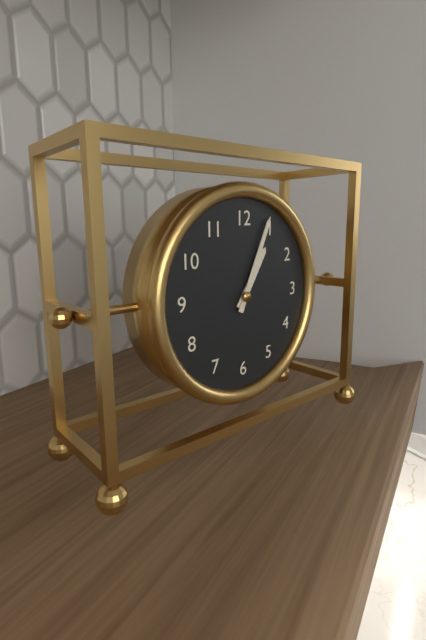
1,04
